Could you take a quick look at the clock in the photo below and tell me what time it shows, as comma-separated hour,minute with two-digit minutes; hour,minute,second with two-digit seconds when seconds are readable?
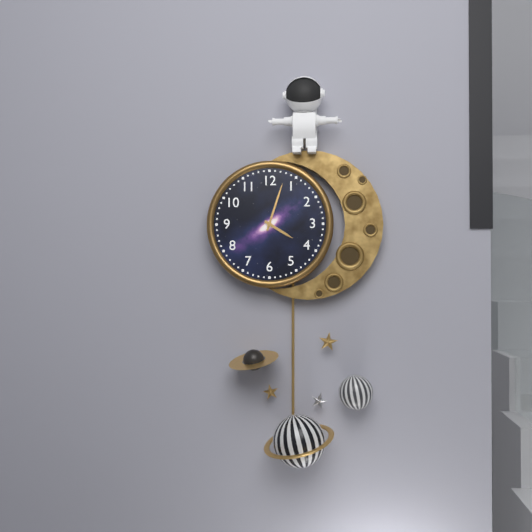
4,03
